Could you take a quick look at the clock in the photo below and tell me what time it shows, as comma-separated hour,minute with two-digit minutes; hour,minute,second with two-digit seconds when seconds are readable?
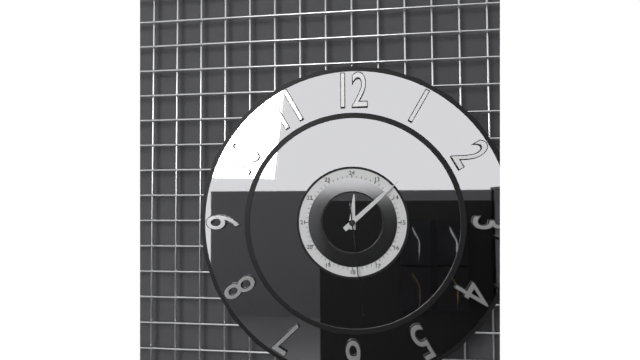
12,08,29
